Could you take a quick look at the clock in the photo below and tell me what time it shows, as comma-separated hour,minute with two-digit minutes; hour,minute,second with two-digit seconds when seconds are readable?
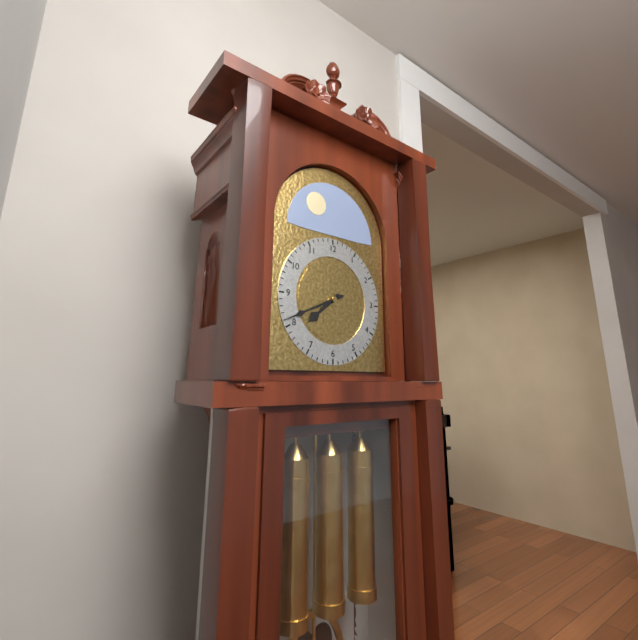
7,41
